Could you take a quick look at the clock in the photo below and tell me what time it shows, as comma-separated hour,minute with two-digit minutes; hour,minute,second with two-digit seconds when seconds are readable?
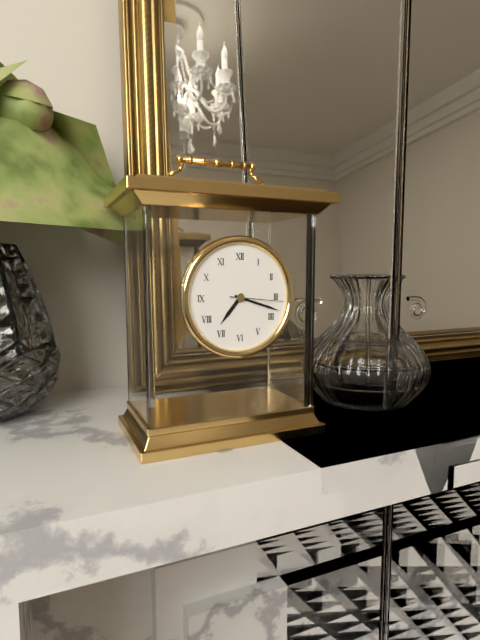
7,18,16
